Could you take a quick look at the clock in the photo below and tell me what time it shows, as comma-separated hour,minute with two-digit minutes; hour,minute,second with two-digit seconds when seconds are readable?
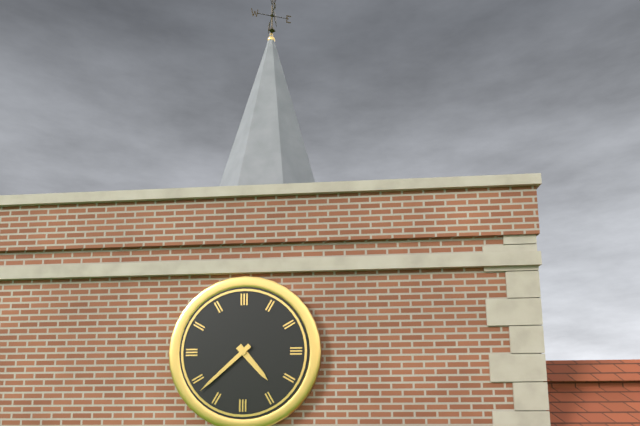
4,38
